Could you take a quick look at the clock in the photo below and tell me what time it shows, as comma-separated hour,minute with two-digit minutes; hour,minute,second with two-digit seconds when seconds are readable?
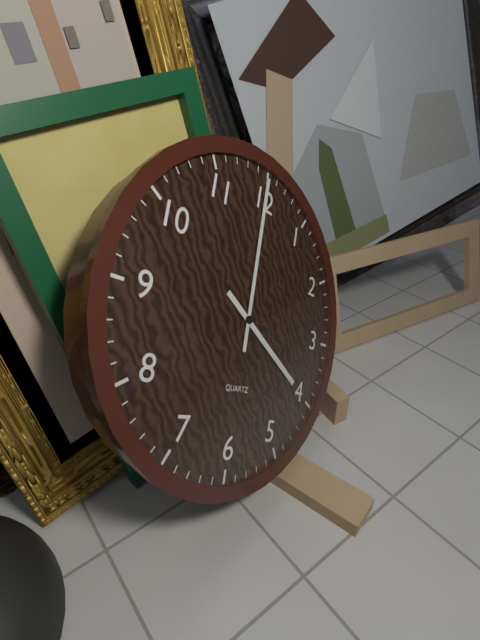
4,00
